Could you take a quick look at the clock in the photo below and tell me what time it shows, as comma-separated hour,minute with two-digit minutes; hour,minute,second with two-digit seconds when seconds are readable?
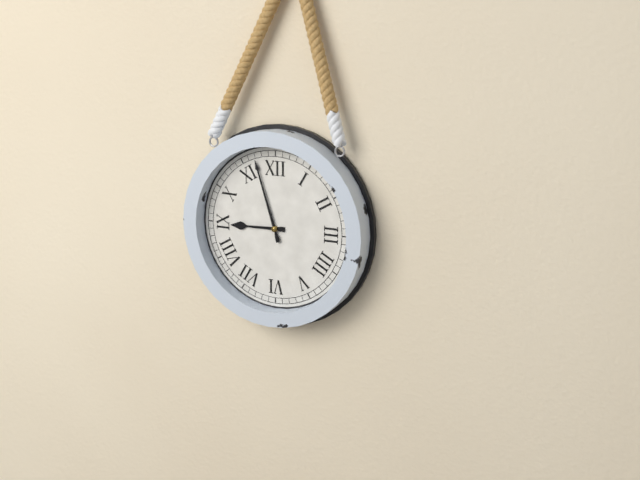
8,57
